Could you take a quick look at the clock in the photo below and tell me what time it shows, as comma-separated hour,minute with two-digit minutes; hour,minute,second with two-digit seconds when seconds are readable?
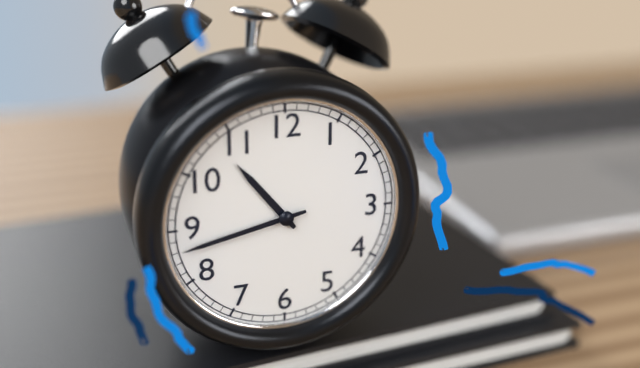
10,43
